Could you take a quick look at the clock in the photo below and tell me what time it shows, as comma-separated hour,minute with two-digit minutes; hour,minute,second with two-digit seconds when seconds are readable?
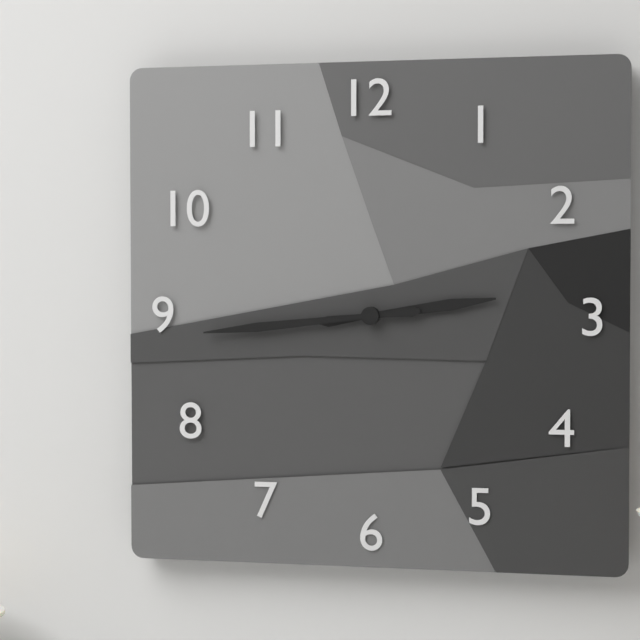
2,44
